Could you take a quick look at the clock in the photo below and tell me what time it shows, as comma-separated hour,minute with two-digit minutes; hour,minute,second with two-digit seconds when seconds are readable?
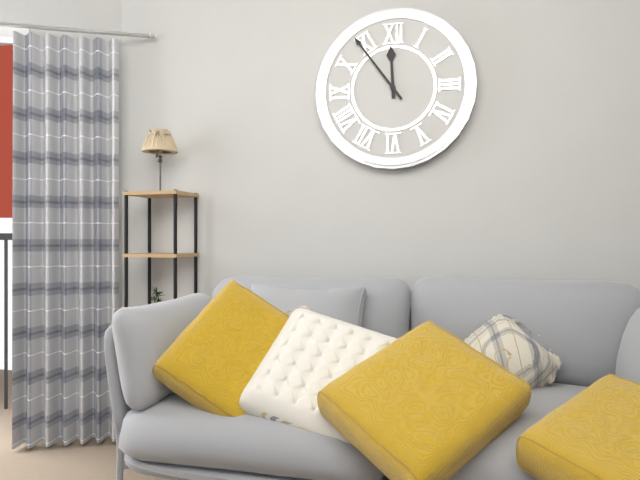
11,54
